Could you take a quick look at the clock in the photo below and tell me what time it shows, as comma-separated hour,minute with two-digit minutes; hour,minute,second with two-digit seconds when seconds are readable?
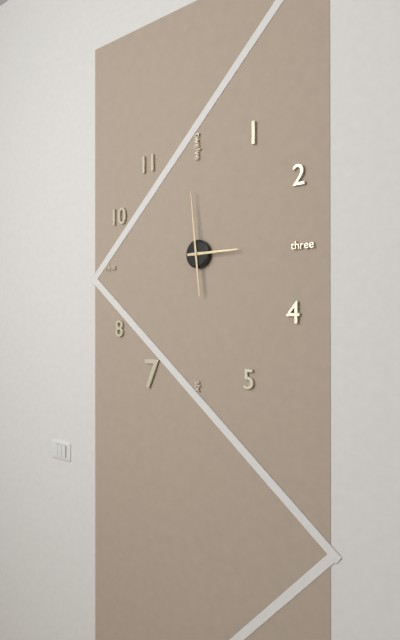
2,59
